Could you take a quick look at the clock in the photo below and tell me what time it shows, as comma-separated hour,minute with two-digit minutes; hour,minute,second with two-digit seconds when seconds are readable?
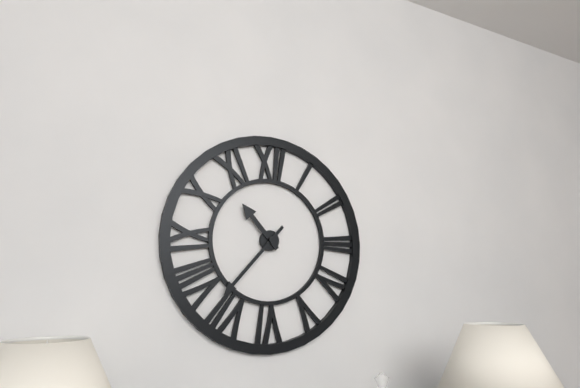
10,37
